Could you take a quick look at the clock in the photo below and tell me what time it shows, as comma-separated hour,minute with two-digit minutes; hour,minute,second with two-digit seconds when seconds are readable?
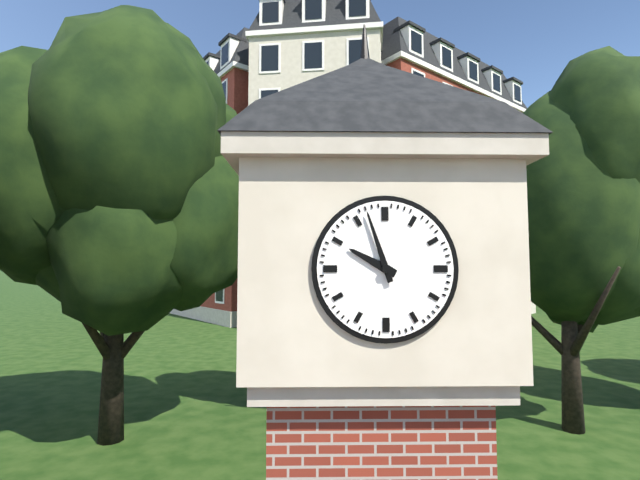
9,57
